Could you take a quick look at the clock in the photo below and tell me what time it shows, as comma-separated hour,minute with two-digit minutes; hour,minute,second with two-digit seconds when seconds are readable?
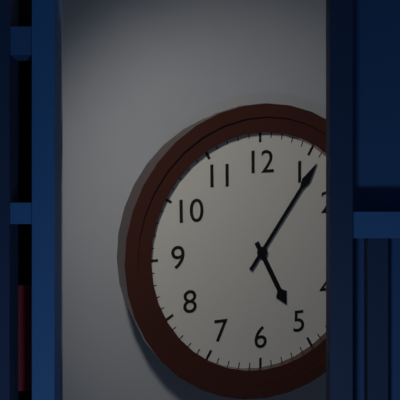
5,06
